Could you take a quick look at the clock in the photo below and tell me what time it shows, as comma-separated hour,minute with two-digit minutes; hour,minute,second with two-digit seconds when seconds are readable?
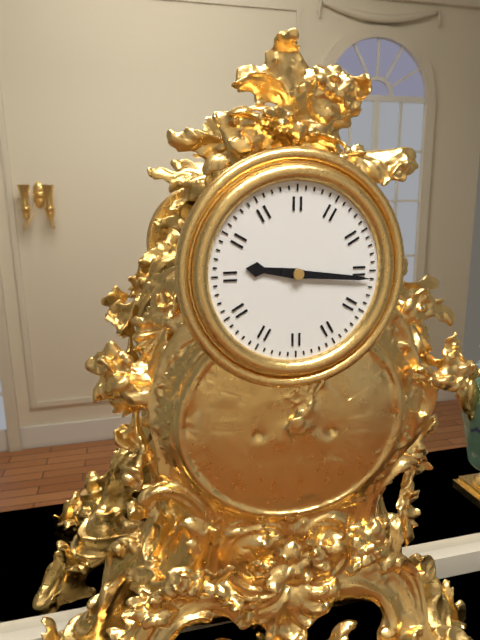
9,16
